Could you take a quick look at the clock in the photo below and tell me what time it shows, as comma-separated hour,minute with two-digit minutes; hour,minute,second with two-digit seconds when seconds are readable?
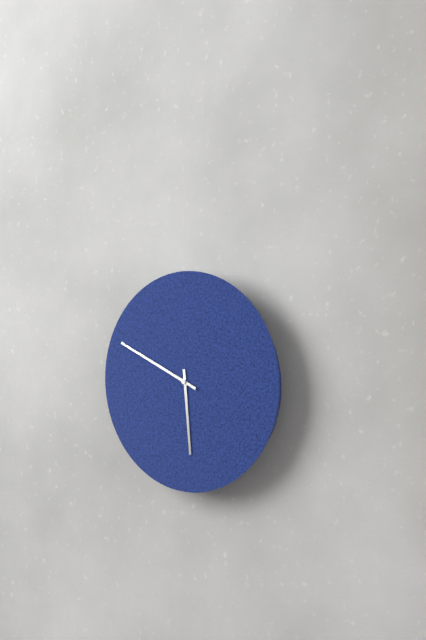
5,49
